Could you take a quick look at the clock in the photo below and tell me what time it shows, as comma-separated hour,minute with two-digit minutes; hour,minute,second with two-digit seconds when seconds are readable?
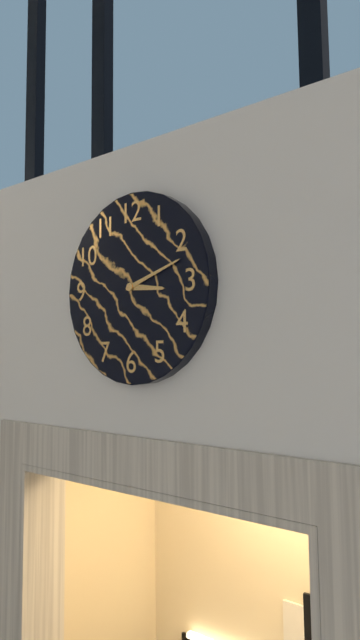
3,12
